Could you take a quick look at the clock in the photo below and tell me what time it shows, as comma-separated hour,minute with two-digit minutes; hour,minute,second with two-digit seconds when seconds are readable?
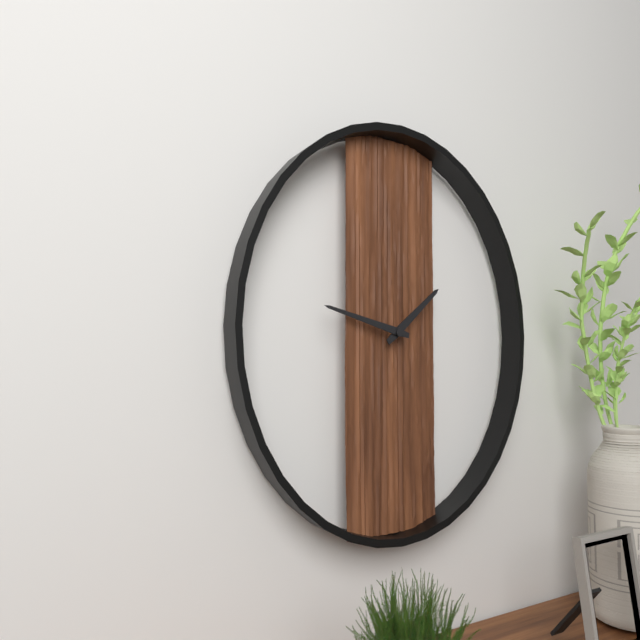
1,47
